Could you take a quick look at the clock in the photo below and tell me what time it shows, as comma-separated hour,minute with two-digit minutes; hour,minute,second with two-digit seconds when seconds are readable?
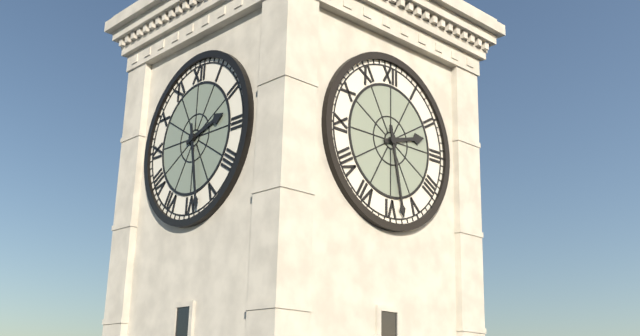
2,28
